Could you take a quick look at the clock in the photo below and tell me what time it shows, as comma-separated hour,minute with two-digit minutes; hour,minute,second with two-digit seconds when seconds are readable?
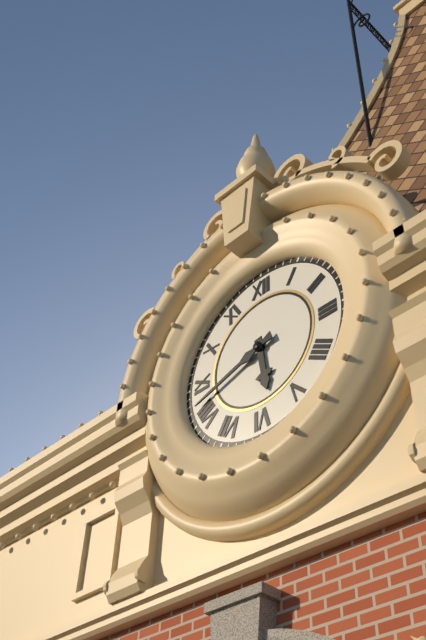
5,42
